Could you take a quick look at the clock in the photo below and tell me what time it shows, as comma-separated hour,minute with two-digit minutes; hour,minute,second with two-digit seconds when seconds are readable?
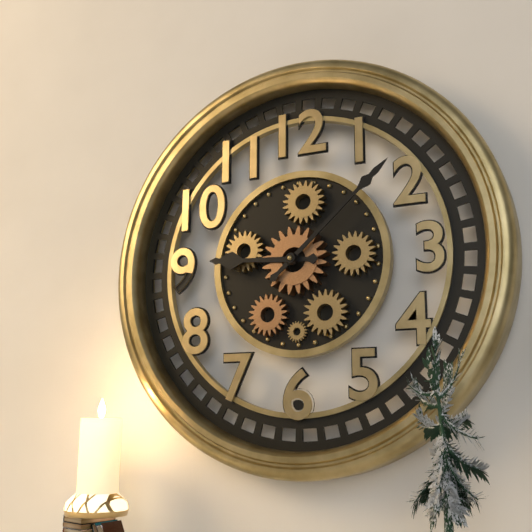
9,08
